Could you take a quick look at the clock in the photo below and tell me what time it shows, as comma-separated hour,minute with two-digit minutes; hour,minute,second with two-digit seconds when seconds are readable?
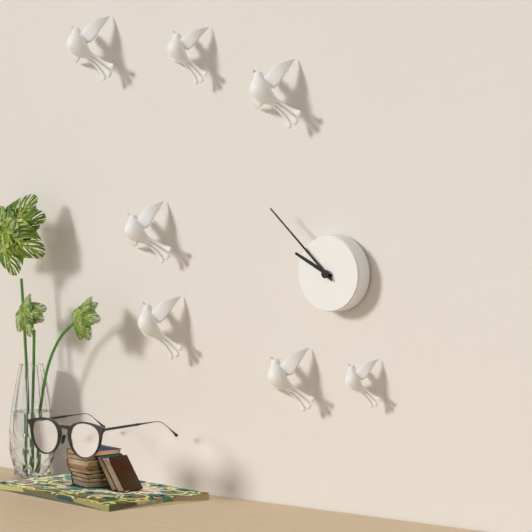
9,52
